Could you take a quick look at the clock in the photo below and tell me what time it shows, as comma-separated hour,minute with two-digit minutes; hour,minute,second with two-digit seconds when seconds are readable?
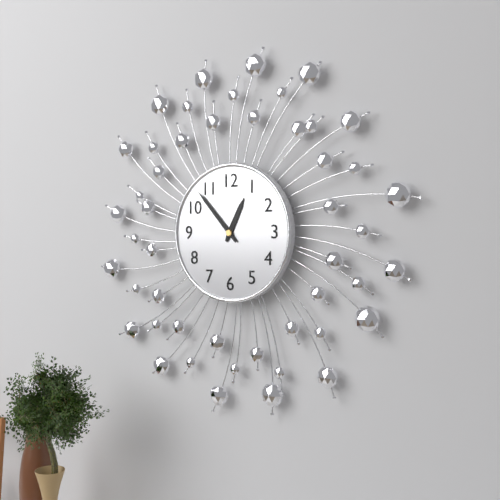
12,53
